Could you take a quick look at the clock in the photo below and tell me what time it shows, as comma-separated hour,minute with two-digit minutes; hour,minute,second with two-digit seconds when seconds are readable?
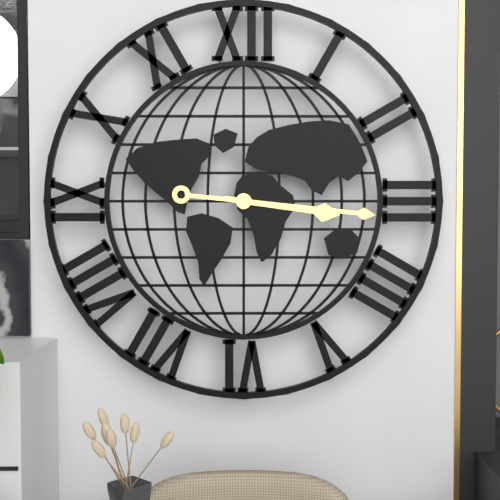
3,16
